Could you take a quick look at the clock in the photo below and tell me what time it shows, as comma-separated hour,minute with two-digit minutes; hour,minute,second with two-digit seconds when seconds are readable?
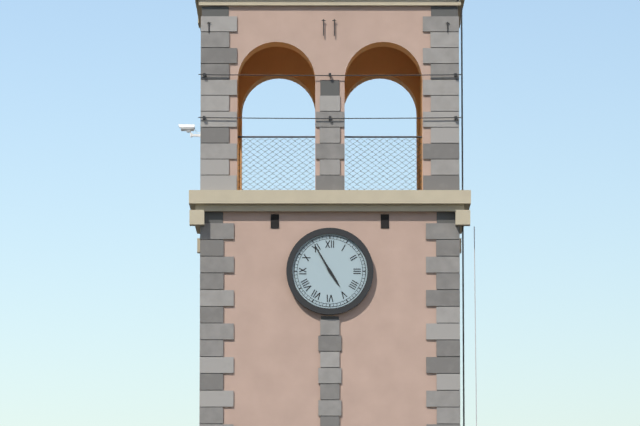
4,55
